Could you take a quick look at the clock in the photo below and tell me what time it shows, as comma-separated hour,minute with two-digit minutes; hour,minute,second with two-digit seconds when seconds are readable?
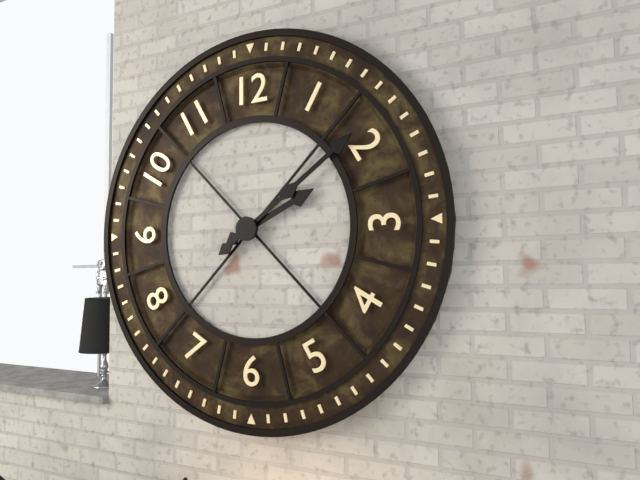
2,09
